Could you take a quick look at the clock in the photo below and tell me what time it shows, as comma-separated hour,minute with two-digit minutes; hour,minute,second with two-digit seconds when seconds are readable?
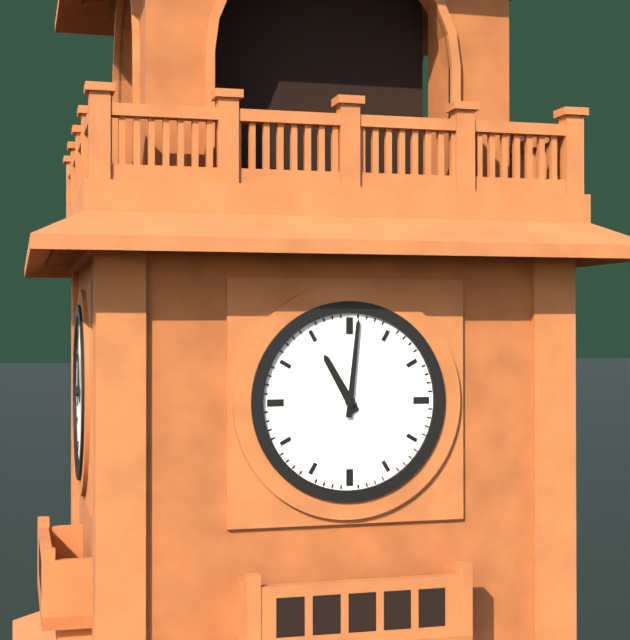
11,01
